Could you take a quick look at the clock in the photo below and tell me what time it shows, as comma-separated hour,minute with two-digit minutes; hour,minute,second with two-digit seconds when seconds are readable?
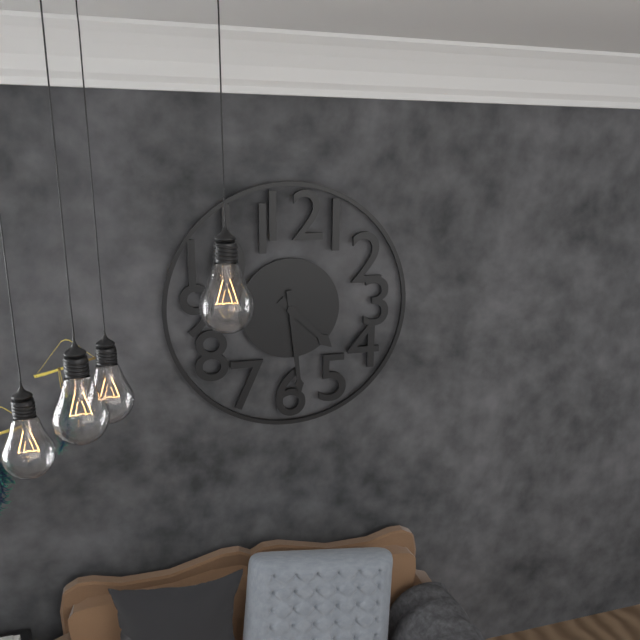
4,29
